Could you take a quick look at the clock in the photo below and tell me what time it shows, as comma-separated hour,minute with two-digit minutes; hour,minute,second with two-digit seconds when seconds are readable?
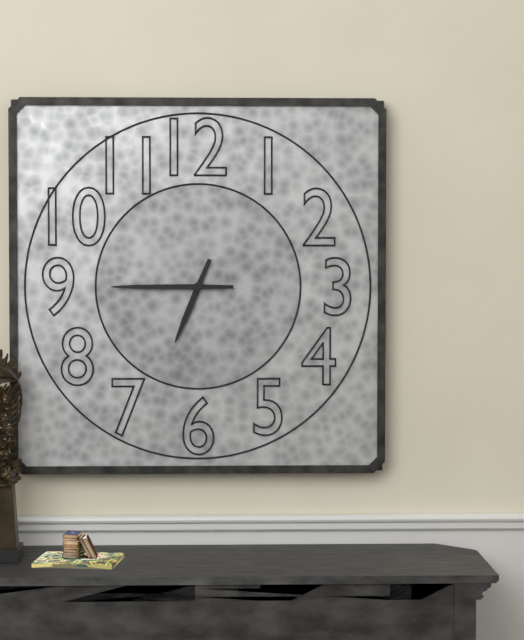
6,45
